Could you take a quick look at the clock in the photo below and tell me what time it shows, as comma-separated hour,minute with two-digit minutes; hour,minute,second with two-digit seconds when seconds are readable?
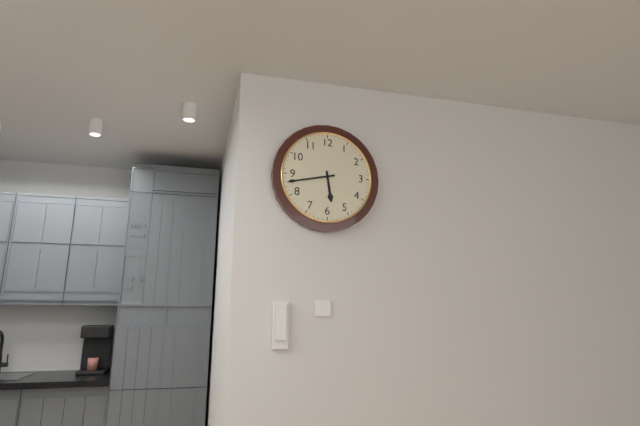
5,43
